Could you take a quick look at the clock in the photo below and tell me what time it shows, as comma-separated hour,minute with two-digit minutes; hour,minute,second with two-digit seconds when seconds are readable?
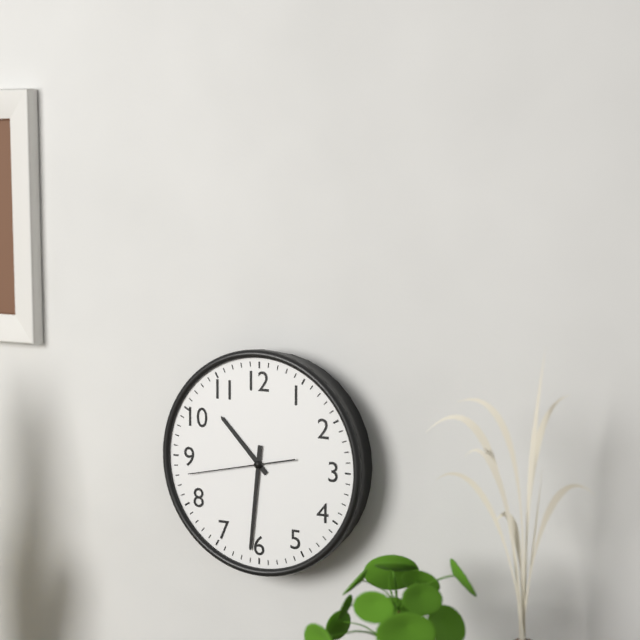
10,31,43
